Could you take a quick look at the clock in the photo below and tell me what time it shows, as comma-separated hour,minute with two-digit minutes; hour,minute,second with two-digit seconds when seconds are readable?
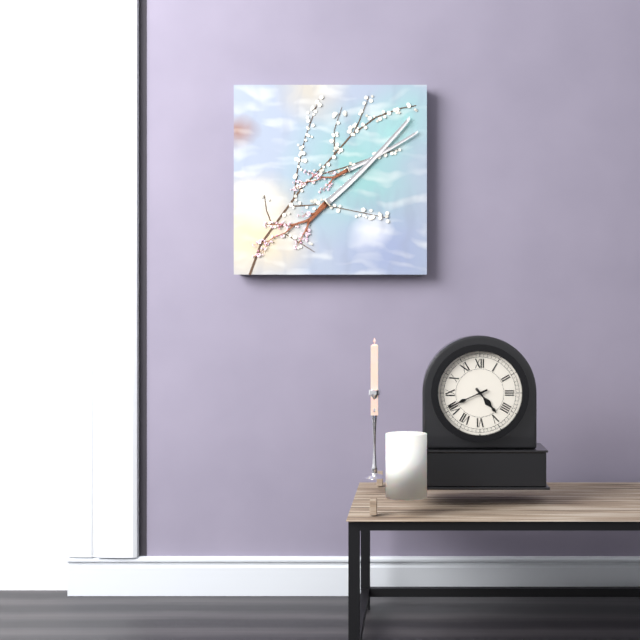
4,41
